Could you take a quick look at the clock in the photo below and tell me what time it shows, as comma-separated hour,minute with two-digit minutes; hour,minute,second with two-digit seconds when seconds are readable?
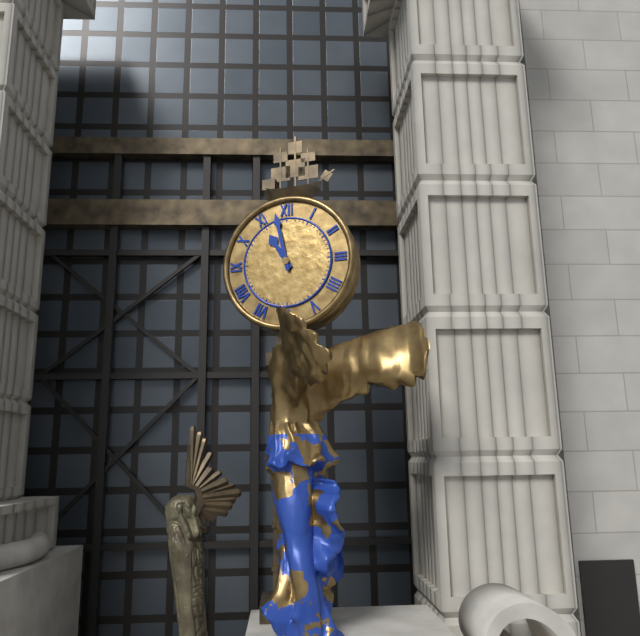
10,58
